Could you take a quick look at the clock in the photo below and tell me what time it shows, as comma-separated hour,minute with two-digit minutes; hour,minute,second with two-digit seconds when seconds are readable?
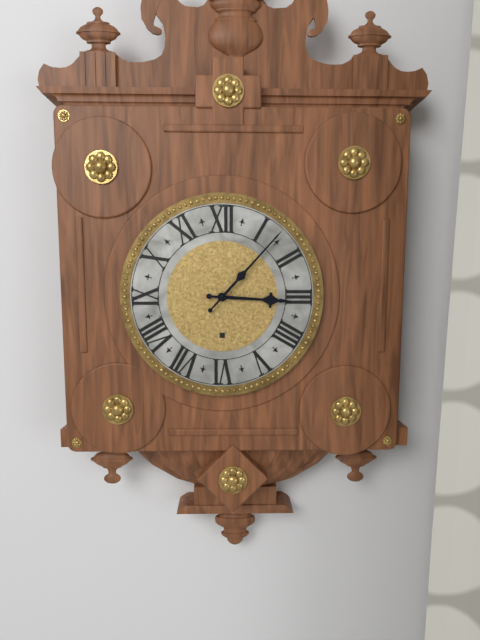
3,07
